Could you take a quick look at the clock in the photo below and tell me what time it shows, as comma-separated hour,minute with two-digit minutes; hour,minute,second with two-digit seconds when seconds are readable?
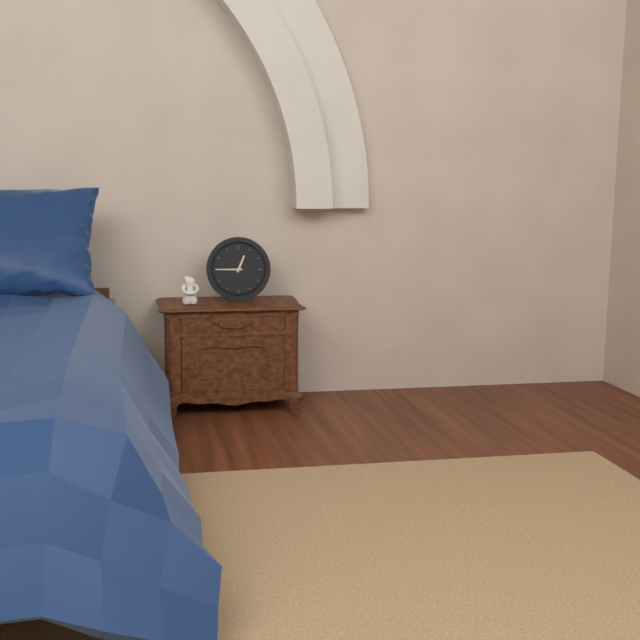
12,45
